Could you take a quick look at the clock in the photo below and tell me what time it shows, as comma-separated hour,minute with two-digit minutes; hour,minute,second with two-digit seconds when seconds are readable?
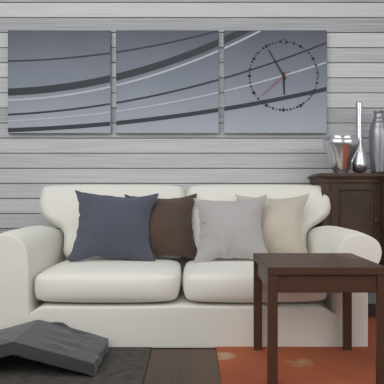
5,55
